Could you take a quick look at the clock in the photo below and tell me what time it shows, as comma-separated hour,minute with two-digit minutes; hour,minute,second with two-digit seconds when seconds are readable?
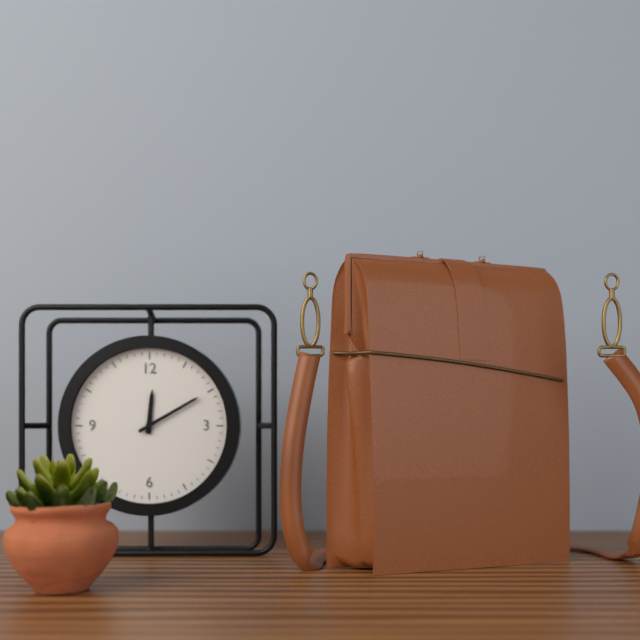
12,10
